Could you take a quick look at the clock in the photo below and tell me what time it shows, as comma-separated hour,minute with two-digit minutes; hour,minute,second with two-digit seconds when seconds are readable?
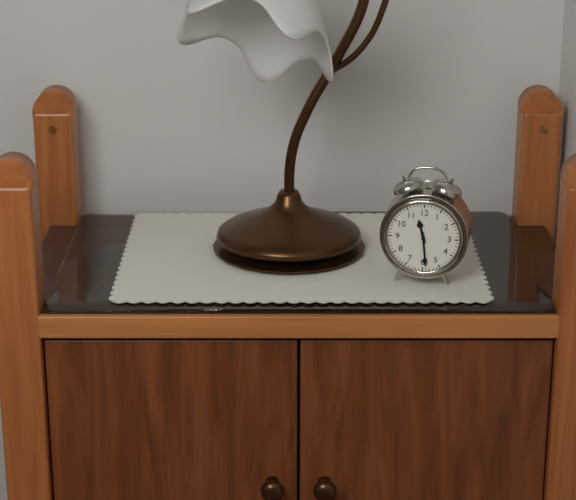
11,29
